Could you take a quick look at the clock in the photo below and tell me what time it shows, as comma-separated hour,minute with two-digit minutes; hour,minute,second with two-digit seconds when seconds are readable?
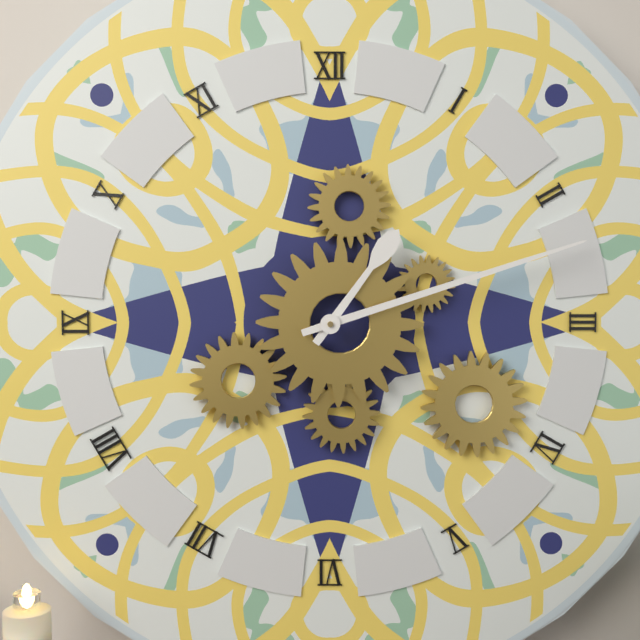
1,12
